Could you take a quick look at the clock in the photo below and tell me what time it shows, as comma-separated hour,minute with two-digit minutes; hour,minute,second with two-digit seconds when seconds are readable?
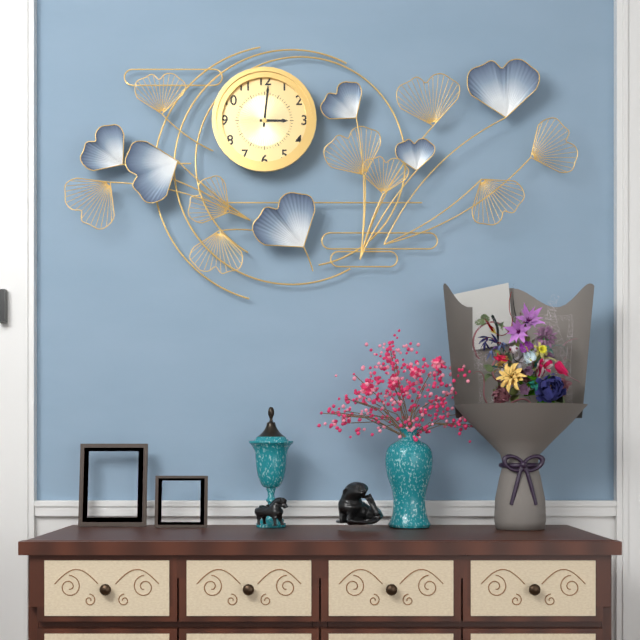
3,01
